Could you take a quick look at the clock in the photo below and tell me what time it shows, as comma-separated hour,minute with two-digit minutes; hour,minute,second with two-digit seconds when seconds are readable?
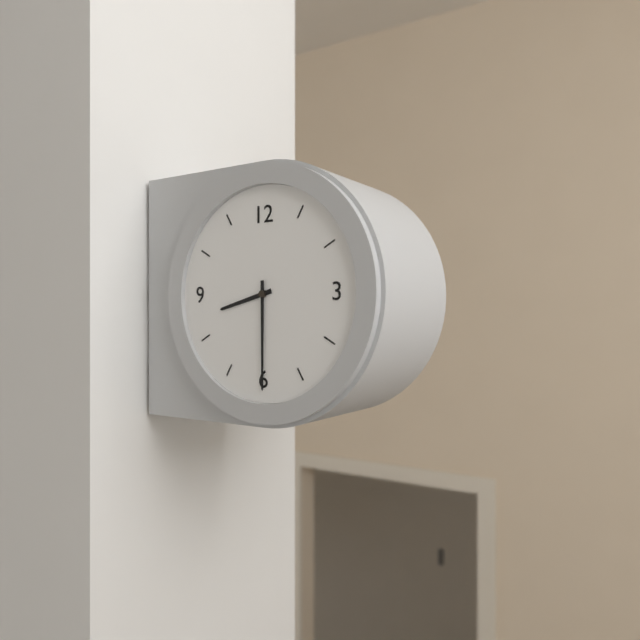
8,30
